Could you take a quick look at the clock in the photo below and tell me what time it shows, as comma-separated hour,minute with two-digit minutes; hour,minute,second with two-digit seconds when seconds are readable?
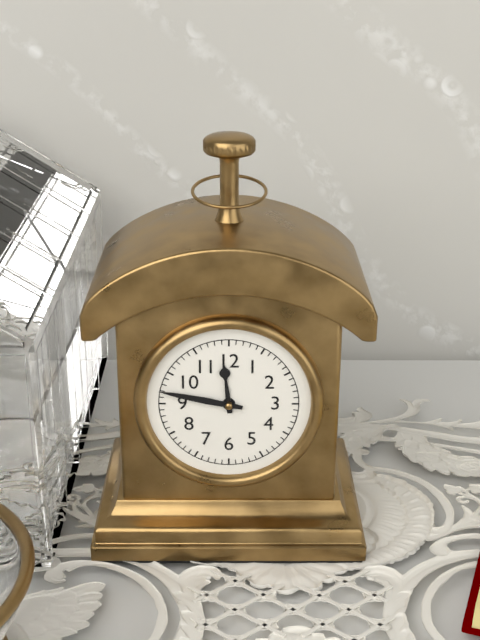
11,47
